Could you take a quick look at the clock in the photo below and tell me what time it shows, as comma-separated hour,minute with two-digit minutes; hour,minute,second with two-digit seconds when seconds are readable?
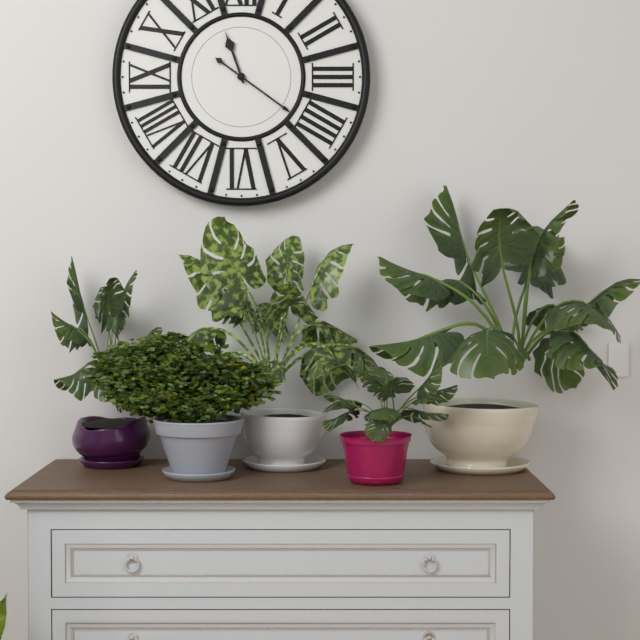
11,21
